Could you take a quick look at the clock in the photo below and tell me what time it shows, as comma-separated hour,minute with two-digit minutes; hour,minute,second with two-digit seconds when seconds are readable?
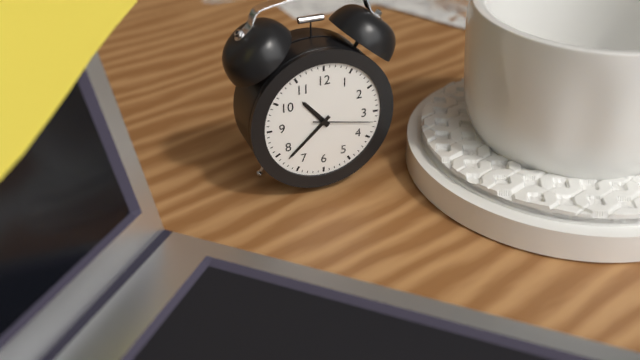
10,38,17
